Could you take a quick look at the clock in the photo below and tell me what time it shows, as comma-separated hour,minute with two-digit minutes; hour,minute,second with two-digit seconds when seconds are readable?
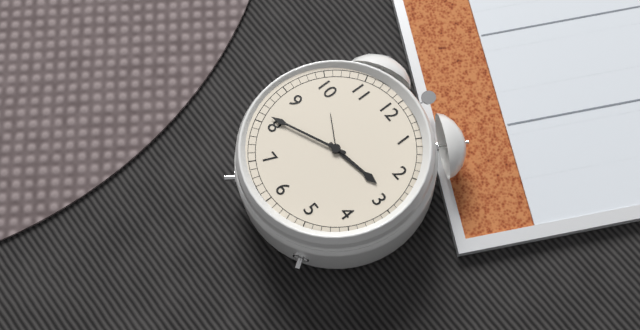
2,41
